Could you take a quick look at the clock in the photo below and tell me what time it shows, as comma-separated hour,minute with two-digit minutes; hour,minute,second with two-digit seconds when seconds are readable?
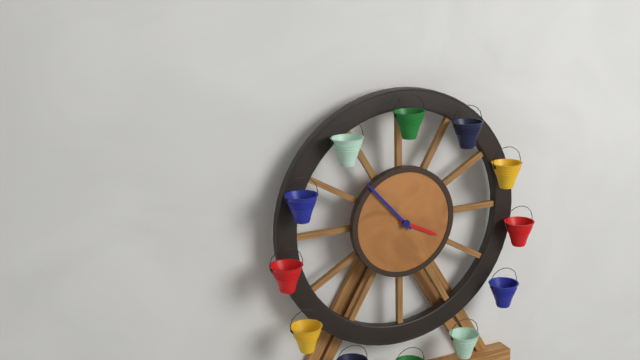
3,53
